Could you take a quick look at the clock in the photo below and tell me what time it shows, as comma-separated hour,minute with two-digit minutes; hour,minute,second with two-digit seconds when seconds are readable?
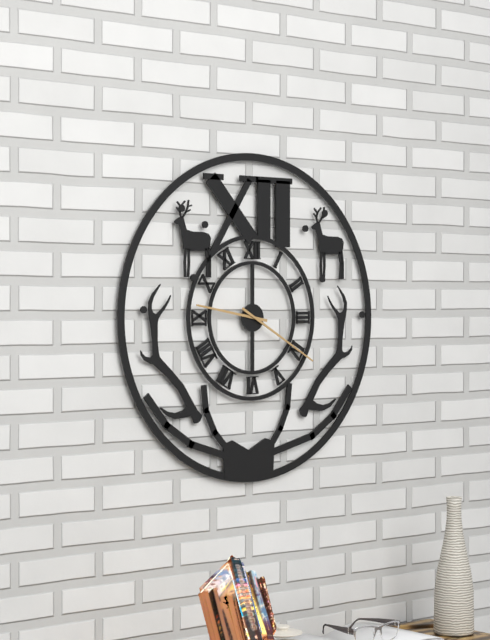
9,20
